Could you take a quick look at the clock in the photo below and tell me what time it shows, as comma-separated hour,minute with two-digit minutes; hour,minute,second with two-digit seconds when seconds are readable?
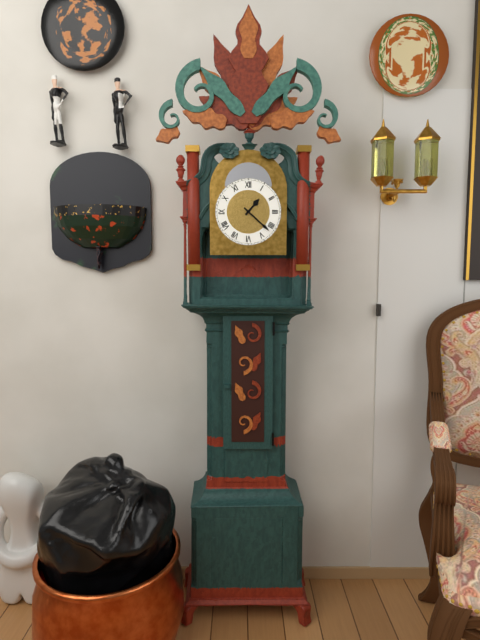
1,22
